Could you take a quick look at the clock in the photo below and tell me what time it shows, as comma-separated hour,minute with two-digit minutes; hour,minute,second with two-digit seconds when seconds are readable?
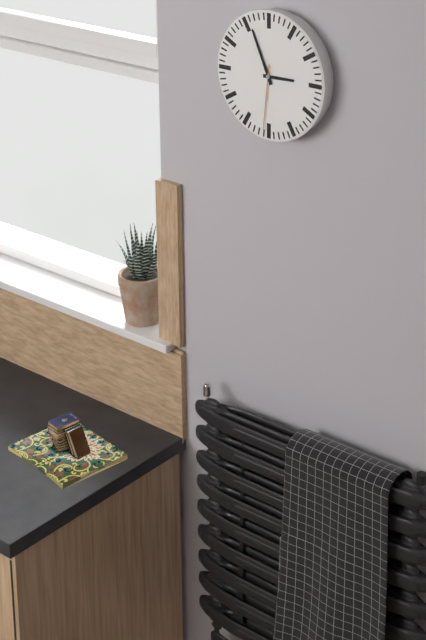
2,56,31
